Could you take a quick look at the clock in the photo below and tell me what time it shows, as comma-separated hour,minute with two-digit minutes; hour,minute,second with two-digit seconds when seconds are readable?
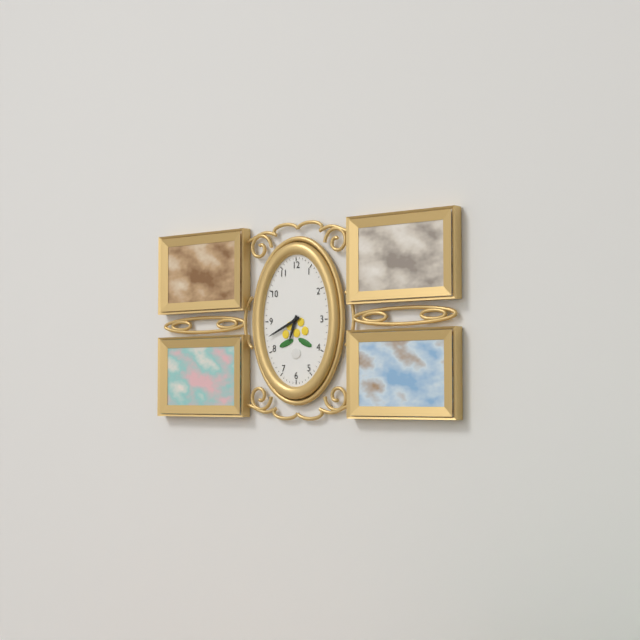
6,41
